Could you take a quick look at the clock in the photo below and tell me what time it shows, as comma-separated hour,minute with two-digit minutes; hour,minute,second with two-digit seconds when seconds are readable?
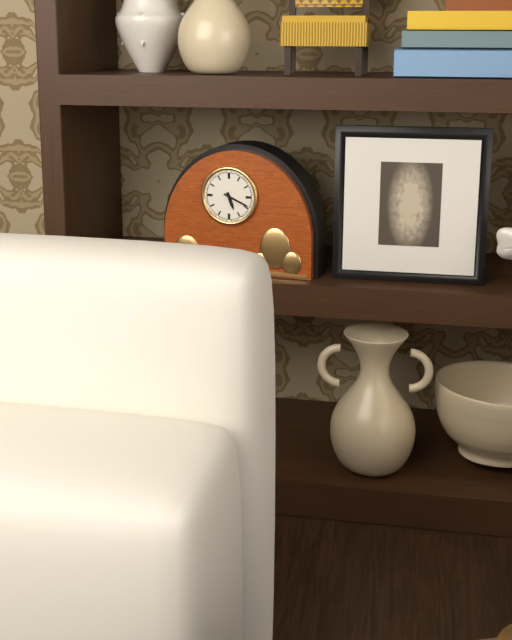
5,19
